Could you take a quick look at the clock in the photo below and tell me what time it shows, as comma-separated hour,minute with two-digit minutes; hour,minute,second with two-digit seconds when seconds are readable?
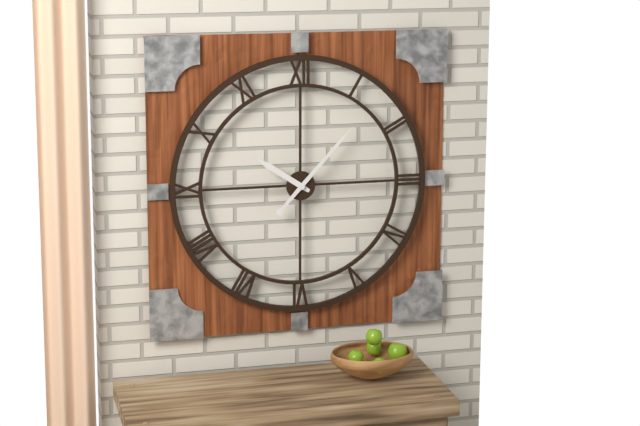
10,07
